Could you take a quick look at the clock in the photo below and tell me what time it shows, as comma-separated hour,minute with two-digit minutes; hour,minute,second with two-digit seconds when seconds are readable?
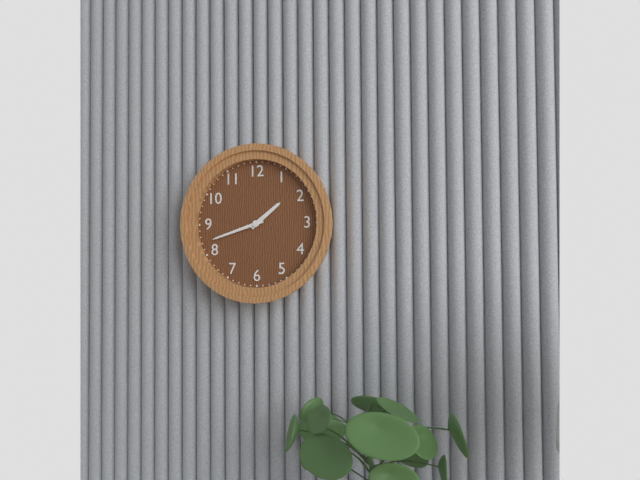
1,42
